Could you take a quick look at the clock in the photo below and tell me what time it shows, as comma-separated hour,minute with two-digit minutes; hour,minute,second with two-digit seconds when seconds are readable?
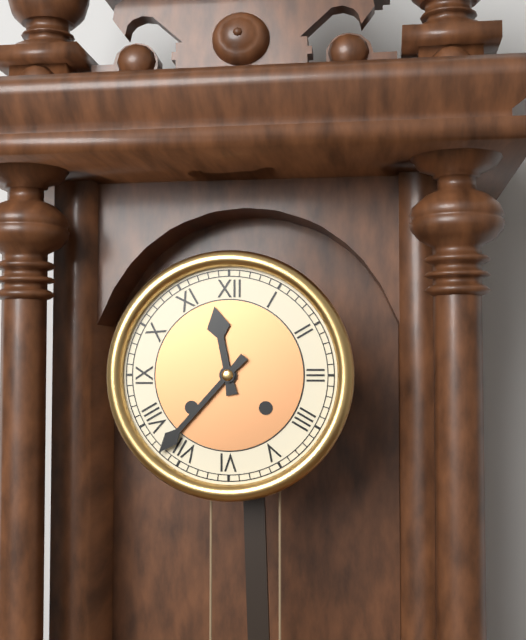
11,37
